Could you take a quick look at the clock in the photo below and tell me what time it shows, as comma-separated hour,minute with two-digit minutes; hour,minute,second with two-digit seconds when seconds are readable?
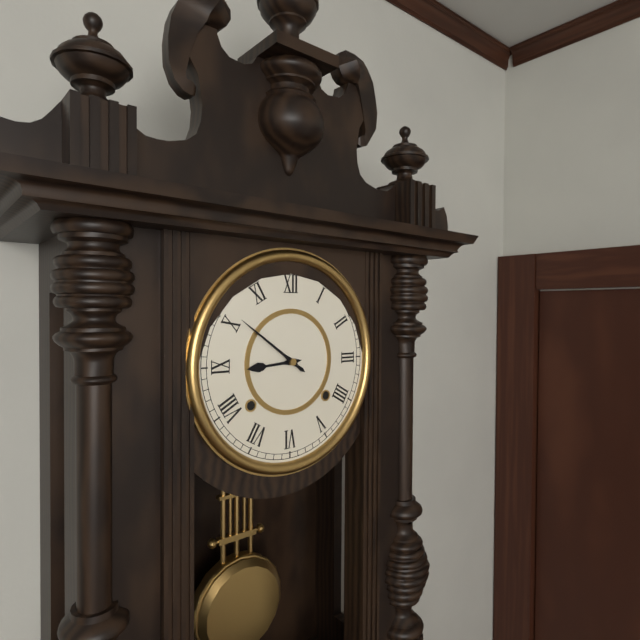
8,51
